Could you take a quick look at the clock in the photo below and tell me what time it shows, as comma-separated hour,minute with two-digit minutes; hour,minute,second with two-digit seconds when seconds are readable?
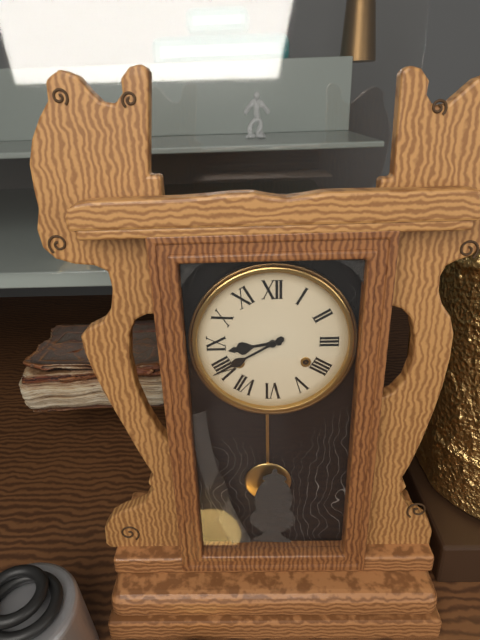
8,40
